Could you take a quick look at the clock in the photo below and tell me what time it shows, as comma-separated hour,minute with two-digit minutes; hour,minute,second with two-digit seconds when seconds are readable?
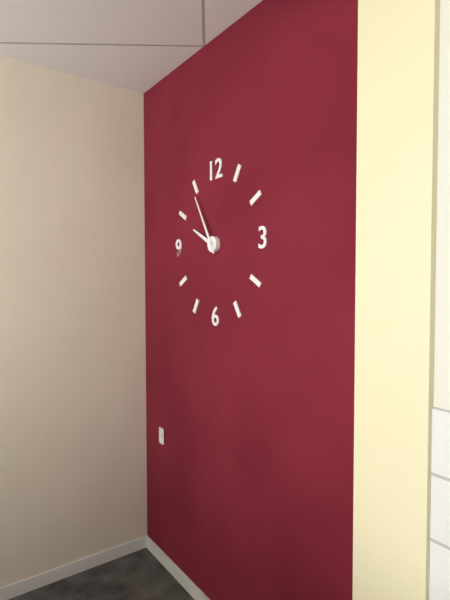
9,55
